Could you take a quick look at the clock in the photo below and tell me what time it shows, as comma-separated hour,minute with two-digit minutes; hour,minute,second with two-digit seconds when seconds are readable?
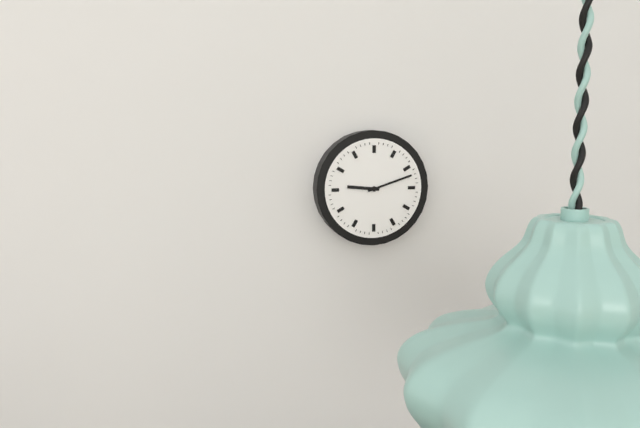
9,12
